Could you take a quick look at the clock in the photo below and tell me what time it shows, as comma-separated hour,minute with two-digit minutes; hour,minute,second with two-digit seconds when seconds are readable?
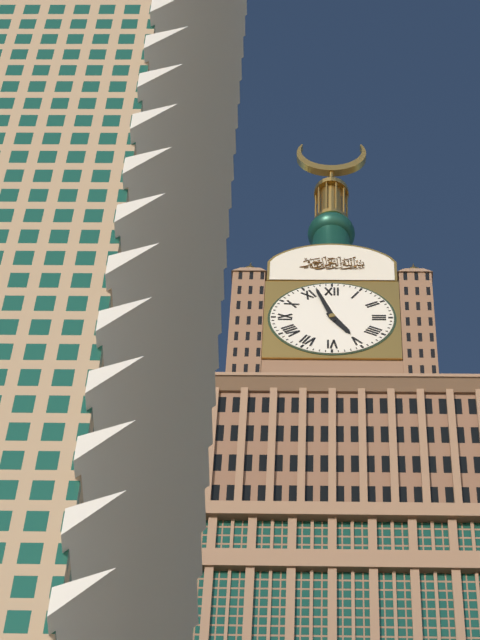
4,57
